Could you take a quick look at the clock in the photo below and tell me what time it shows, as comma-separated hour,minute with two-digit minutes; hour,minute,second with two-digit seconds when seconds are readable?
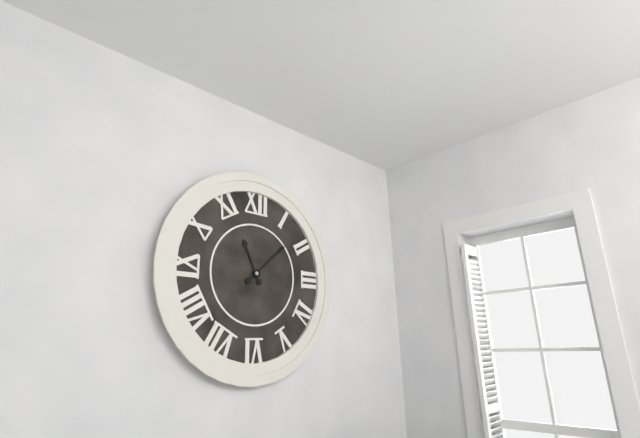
11,08
